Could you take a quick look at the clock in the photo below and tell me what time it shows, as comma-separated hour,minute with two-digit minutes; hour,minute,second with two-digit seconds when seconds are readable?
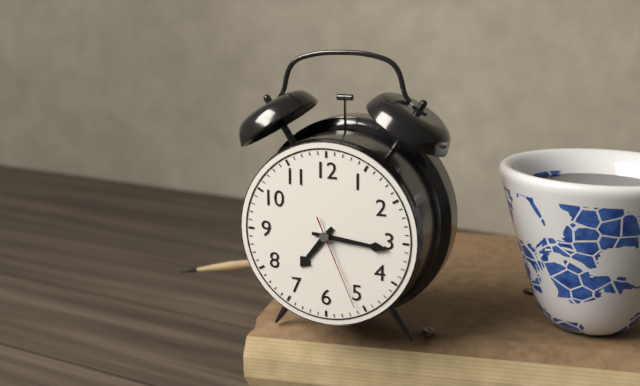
7,16,26
